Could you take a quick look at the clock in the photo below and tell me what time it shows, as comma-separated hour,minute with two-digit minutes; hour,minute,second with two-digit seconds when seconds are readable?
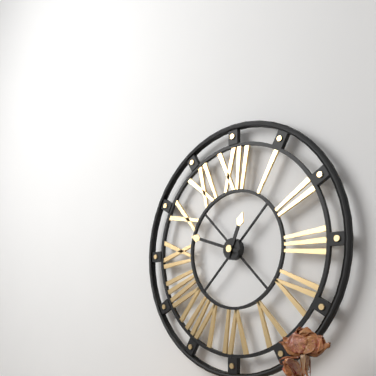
12,48
